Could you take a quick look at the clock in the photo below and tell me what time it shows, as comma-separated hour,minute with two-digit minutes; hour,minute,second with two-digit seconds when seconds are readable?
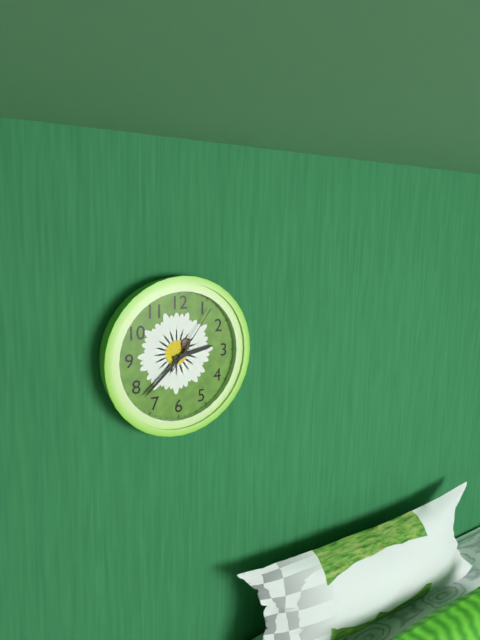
2,38,06
